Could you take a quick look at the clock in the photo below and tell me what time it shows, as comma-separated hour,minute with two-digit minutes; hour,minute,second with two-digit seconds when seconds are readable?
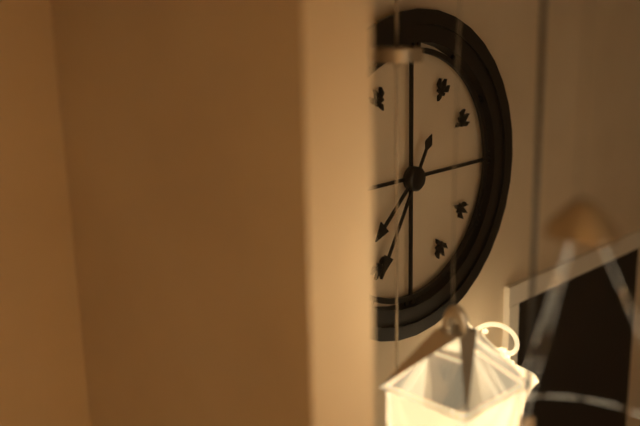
7,35
